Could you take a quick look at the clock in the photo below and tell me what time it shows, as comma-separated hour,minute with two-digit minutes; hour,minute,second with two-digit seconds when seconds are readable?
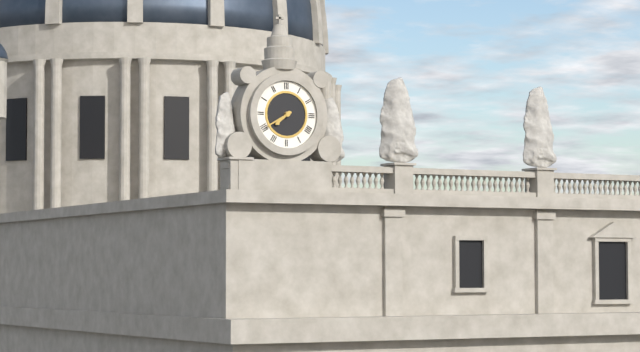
7,40
